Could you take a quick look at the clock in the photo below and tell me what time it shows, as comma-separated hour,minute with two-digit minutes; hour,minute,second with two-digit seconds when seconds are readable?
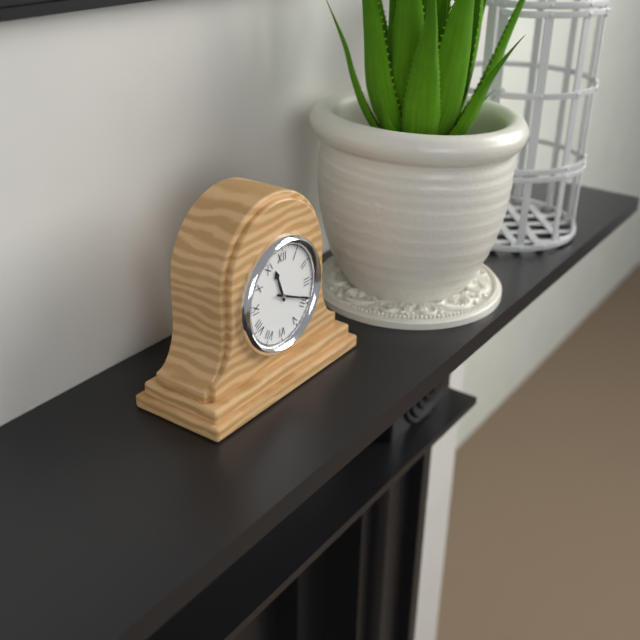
11,19
